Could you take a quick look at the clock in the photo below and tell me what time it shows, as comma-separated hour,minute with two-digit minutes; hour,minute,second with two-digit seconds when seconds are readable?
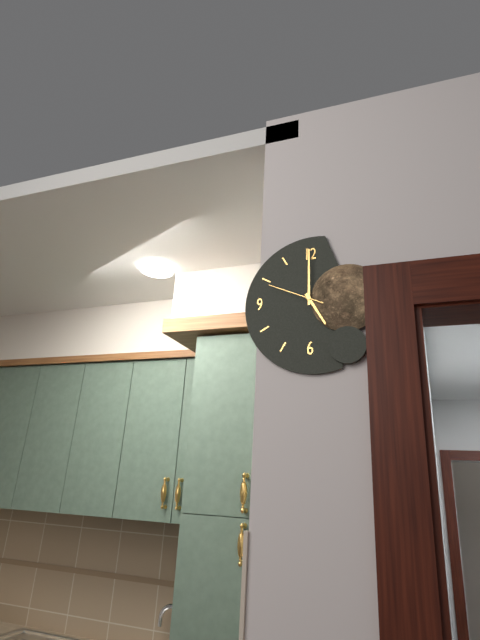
5,00,49
